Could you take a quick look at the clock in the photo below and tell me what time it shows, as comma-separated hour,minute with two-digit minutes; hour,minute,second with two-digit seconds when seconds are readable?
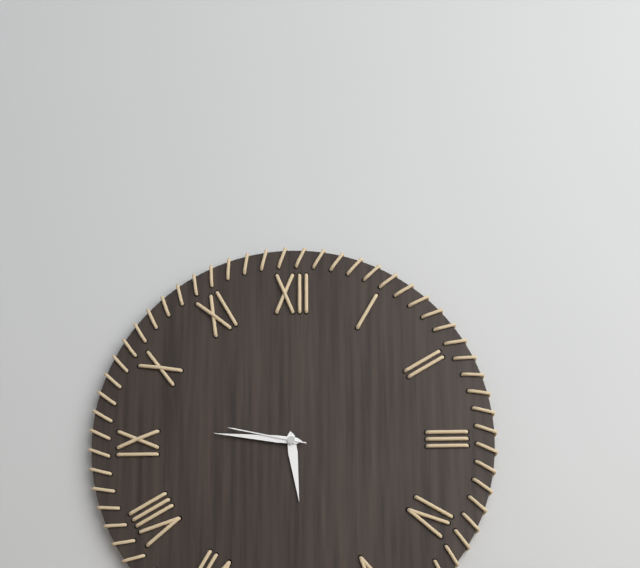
5,46,47
